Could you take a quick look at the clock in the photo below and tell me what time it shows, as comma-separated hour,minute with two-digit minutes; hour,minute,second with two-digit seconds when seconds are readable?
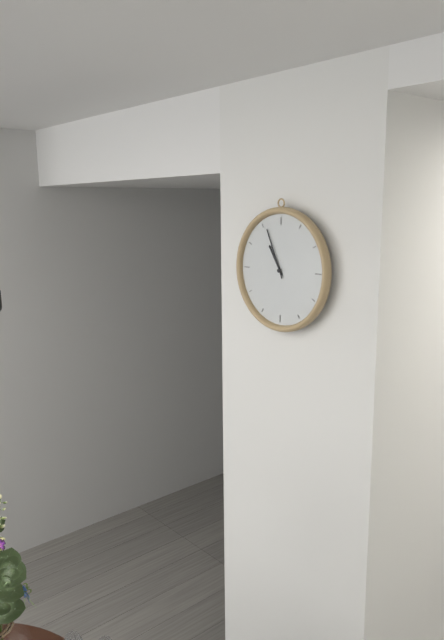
10,56
